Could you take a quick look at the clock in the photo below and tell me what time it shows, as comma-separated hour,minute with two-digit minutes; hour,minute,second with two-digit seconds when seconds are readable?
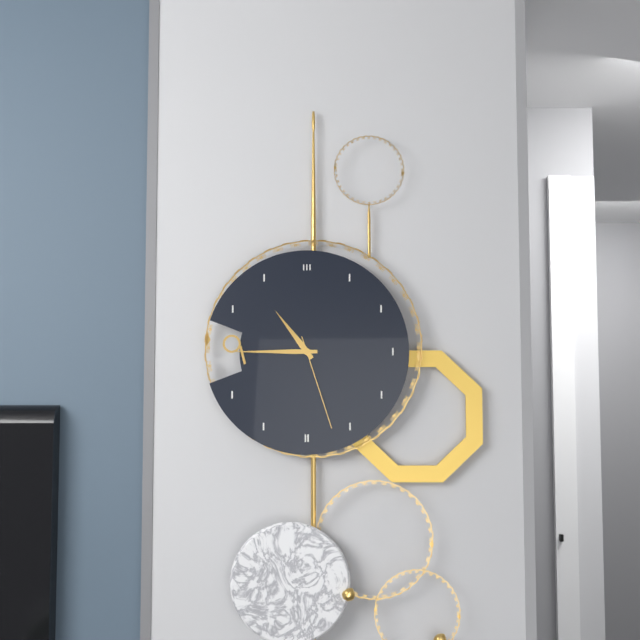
10,45,27
